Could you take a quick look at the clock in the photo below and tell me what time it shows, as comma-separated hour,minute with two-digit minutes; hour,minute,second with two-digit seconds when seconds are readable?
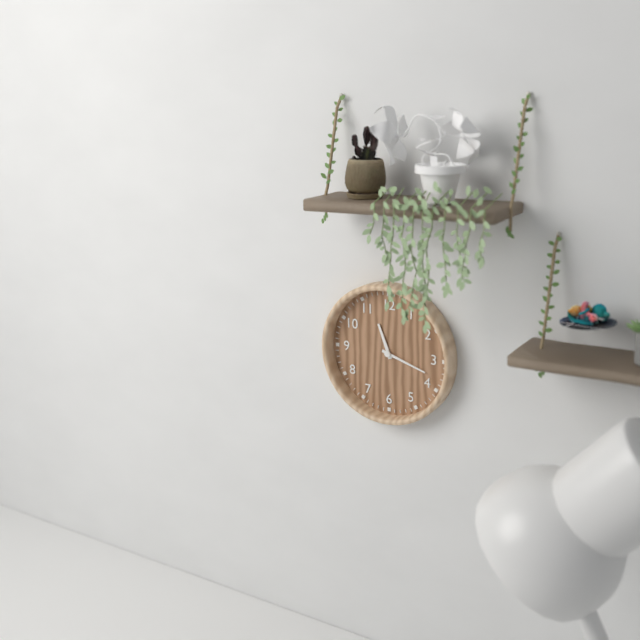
11,18
